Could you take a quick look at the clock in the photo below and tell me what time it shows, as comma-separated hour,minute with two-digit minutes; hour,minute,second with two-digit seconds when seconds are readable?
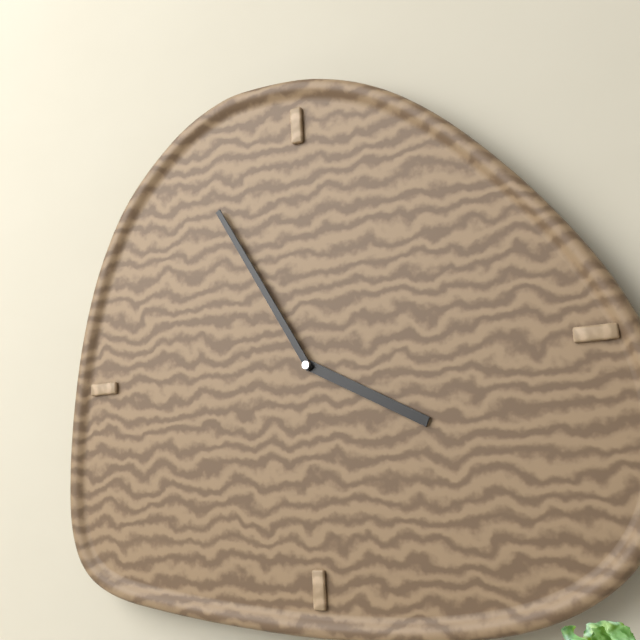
3,55
